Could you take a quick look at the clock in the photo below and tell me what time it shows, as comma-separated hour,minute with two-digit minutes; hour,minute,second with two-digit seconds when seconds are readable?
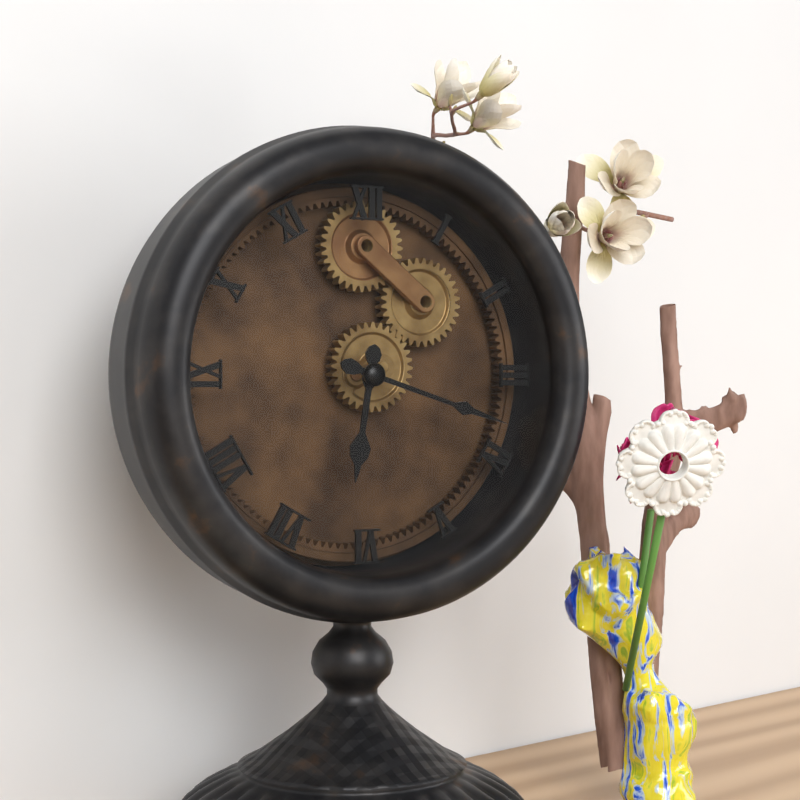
6,18
